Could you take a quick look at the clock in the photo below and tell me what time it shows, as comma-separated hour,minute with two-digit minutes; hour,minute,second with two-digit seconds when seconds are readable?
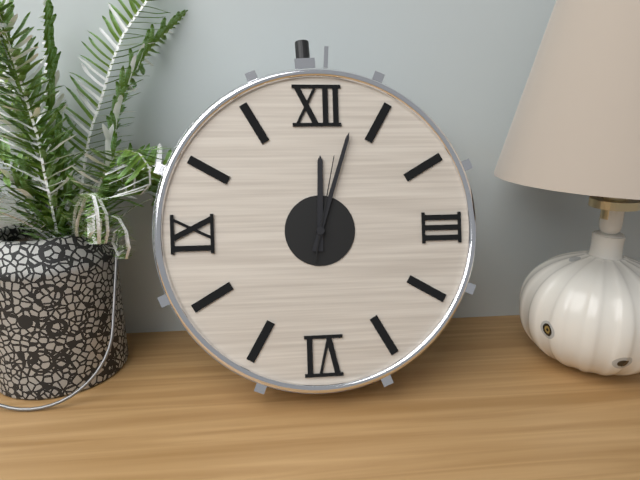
12,03,02
